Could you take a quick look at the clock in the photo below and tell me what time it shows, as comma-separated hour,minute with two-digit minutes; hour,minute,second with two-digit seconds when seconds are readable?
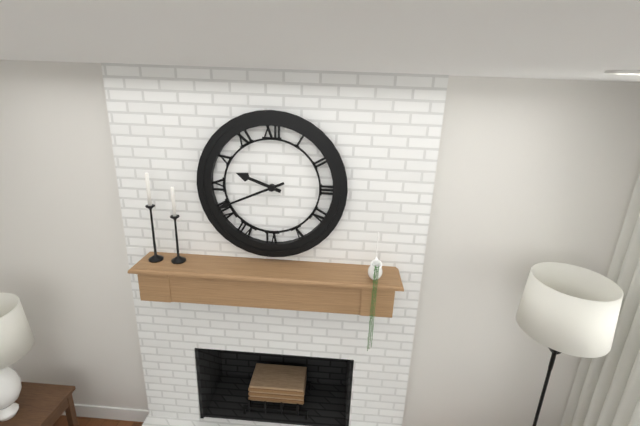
9,41
